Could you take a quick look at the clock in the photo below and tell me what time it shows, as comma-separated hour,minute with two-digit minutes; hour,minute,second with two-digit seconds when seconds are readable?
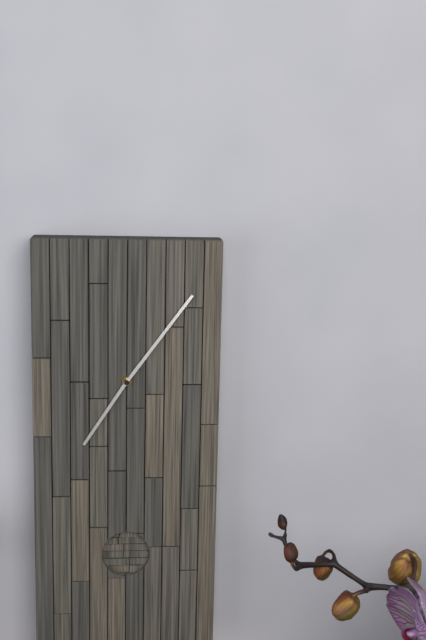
7,06
